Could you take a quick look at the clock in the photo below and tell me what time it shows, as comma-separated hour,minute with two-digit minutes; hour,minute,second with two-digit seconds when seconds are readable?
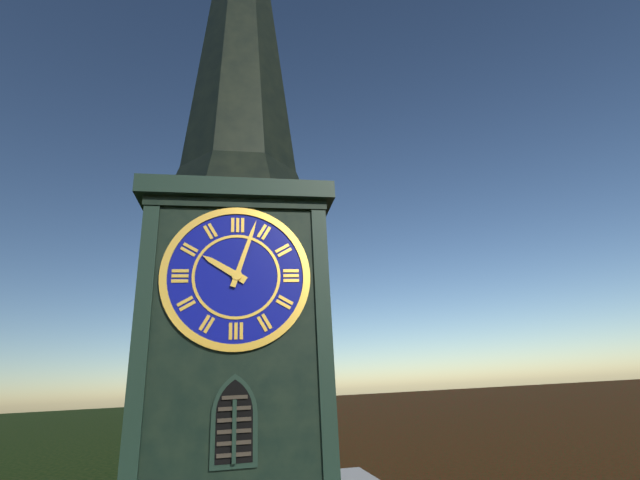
10,03
